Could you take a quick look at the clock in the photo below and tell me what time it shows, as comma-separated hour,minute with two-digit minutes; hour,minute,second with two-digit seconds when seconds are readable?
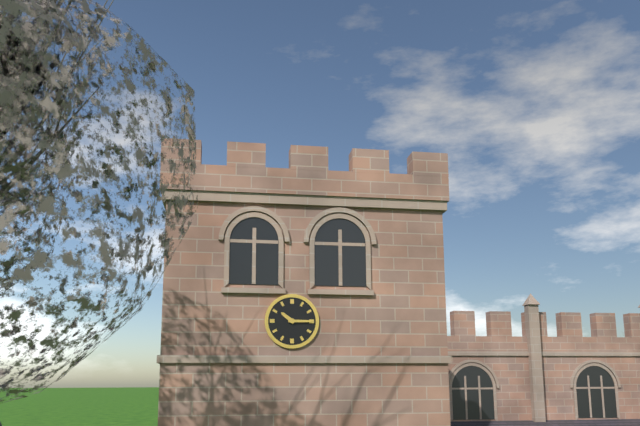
10,15
